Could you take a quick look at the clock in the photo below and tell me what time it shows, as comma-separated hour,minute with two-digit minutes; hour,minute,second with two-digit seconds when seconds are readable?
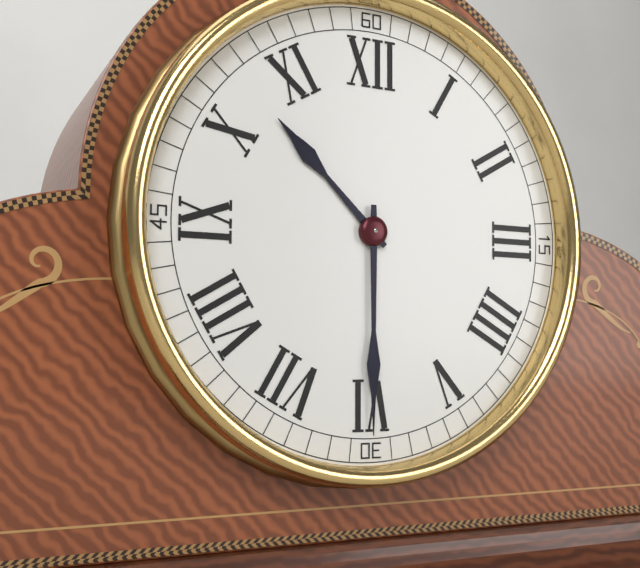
10,30
